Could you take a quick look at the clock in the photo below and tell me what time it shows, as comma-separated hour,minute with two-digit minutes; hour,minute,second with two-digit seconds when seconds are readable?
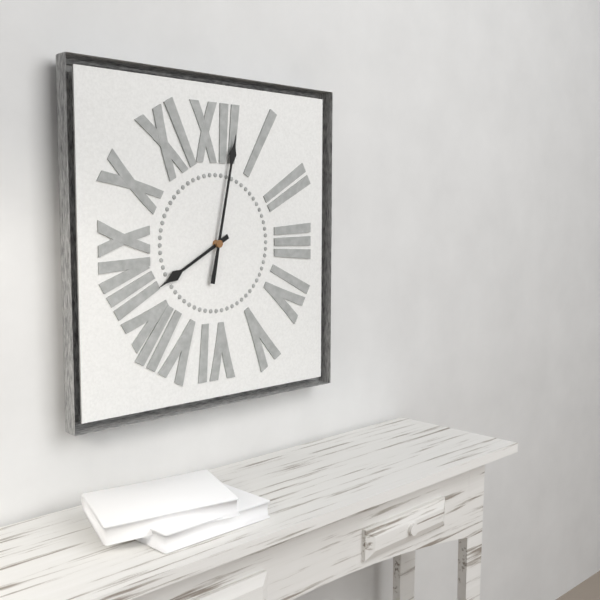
8,02
